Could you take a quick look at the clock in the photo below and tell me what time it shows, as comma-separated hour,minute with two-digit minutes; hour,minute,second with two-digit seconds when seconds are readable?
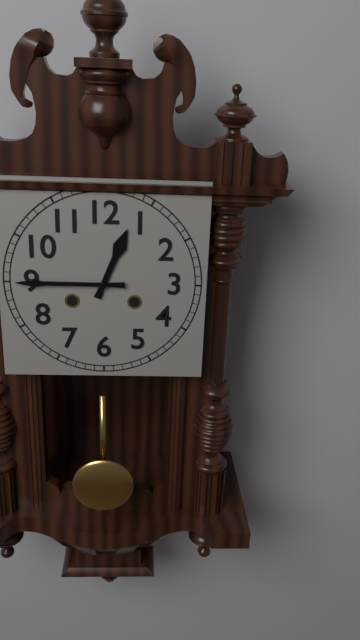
12,45
